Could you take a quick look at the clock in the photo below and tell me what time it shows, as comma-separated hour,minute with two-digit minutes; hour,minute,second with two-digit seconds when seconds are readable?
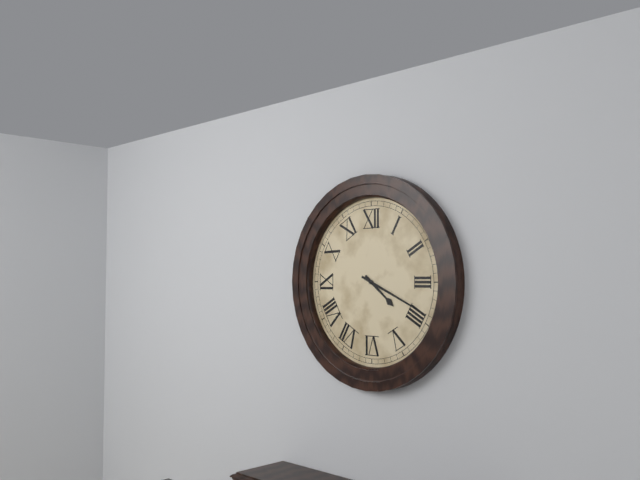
4,19
